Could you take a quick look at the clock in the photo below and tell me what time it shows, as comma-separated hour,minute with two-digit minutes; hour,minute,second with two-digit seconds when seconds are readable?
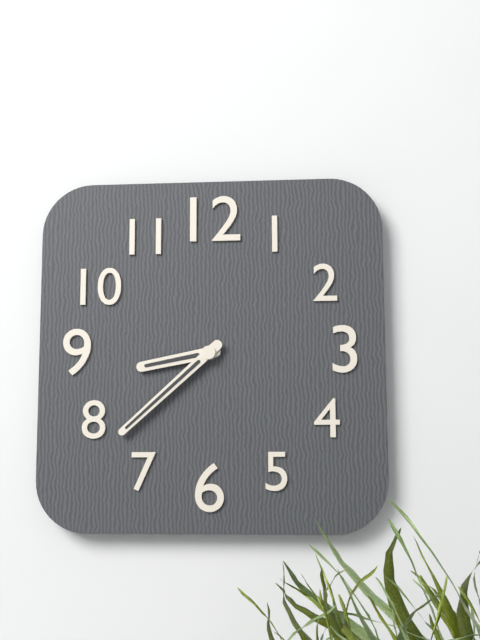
8,38
